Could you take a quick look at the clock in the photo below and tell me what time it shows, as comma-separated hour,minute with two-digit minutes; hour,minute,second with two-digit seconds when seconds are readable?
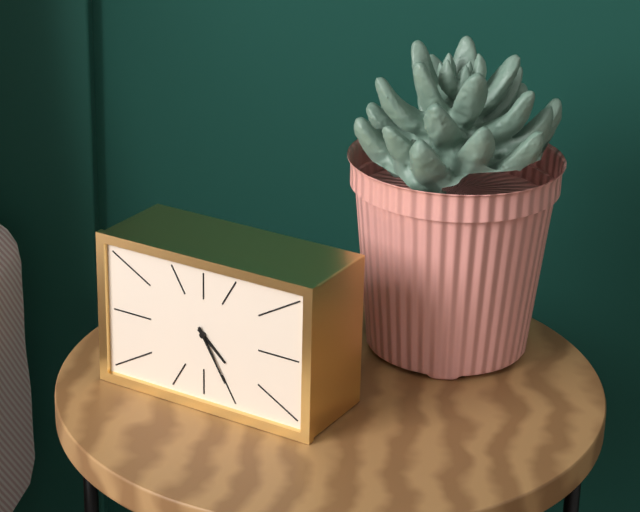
4,25
